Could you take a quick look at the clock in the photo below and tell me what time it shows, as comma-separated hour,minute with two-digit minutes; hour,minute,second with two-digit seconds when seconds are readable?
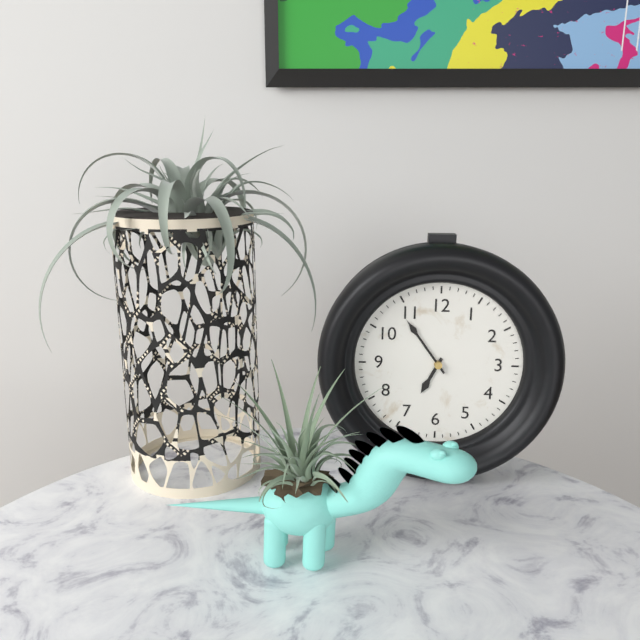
6,54
